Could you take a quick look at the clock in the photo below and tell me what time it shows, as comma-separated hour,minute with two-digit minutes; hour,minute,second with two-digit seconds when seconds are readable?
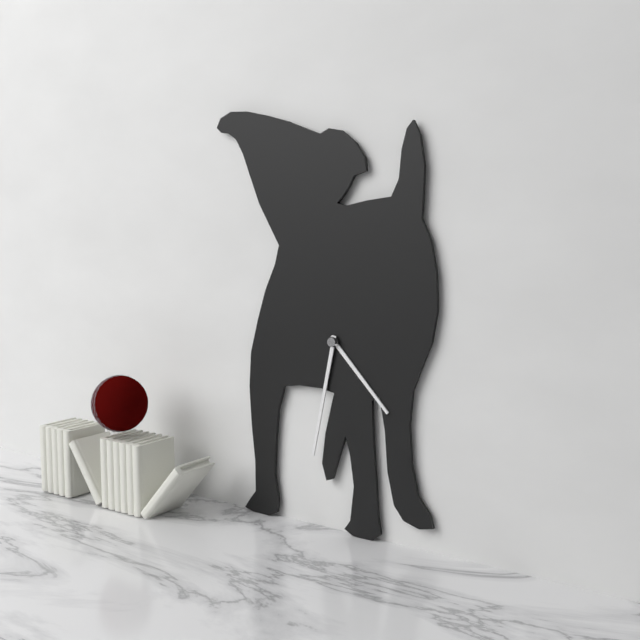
4,32
